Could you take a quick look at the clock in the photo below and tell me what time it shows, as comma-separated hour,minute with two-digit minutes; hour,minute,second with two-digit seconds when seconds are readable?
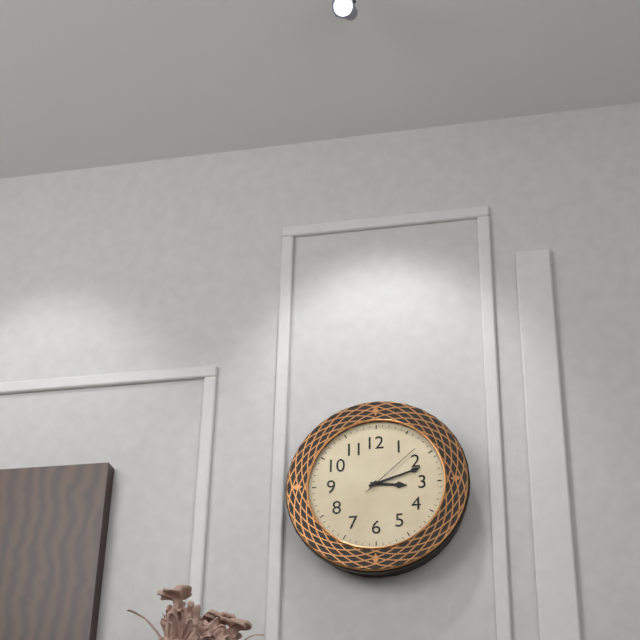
3,12,08
